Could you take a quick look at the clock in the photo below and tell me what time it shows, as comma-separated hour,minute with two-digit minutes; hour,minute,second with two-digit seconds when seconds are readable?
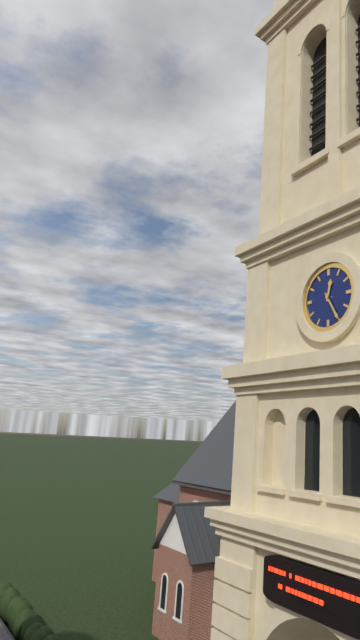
12,25
